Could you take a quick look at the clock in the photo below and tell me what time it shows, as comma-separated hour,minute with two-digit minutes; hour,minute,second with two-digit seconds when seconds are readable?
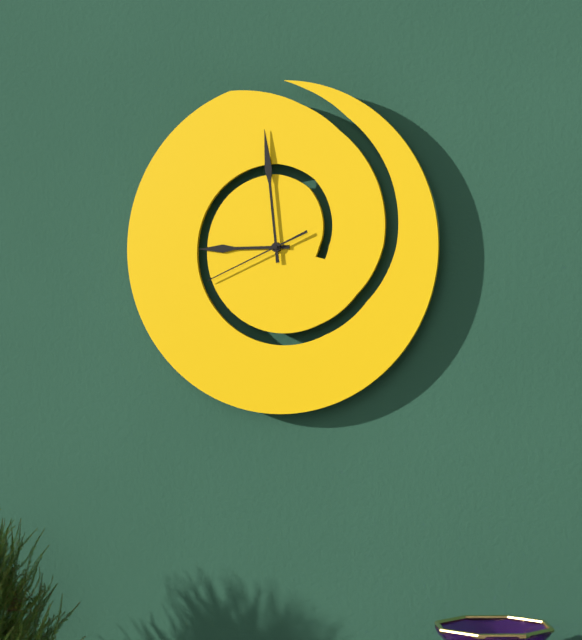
8,59,41
